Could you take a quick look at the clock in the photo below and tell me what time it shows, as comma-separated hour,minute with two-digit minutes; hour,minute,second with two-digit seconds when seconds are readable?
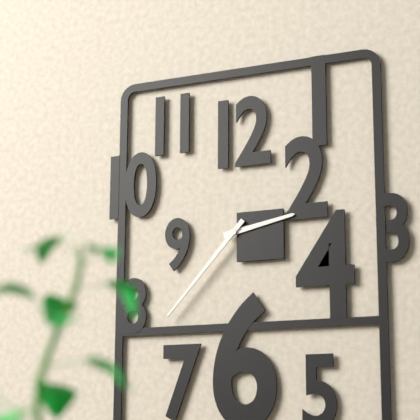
2,37
